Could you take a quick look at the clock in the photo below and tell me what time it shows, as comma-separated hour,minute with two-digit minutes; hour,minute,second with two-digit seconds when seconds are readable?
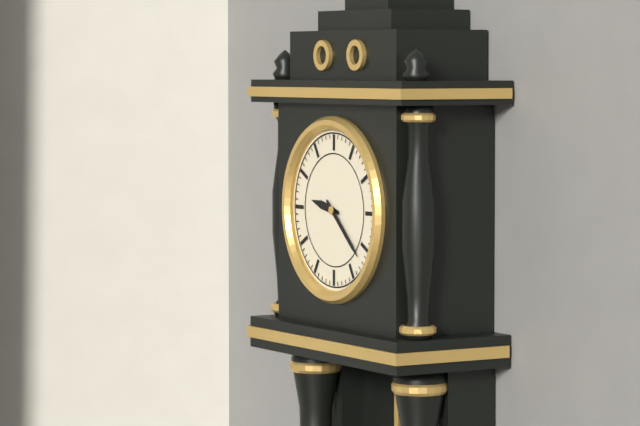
9,22
